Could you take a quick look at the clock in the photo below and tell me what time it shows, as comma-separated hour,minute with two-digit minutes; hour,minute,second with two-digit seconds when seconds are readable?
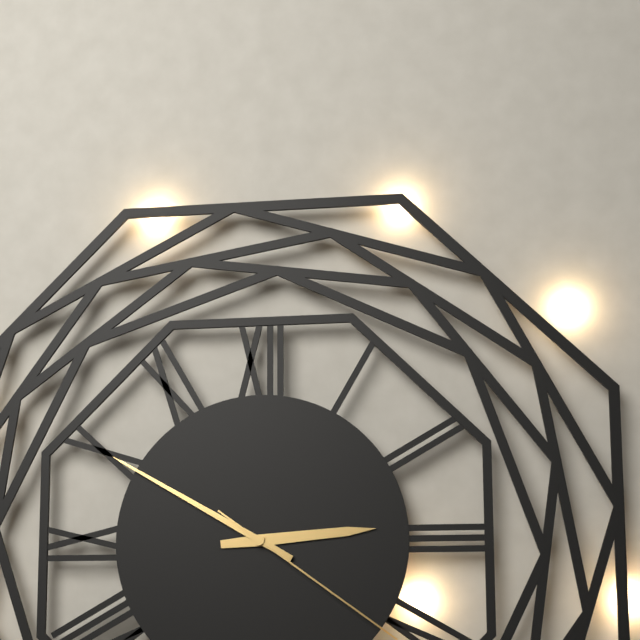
2,50,21
